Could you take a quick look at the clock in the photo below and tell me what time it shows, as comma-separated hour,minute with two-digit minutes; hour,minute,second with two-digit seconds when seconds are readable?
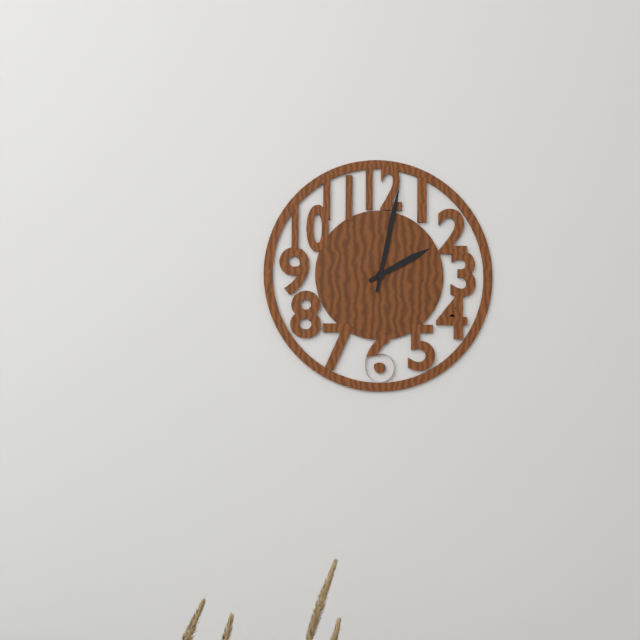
2,02
